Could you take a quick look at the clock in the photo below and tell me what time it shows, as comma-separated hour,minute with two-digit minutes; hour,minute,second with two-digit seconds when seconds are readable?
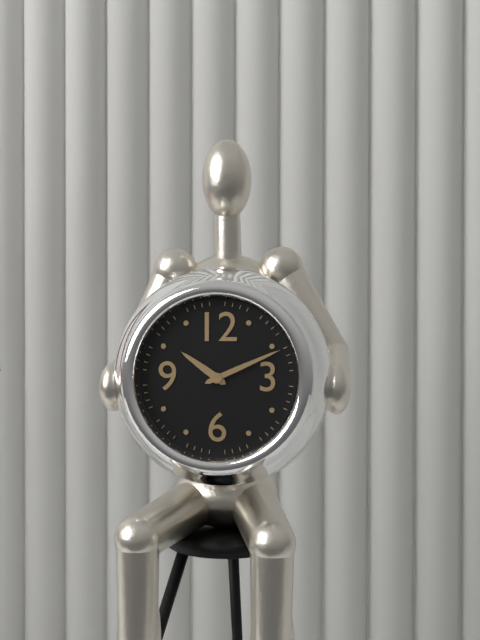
10,11
